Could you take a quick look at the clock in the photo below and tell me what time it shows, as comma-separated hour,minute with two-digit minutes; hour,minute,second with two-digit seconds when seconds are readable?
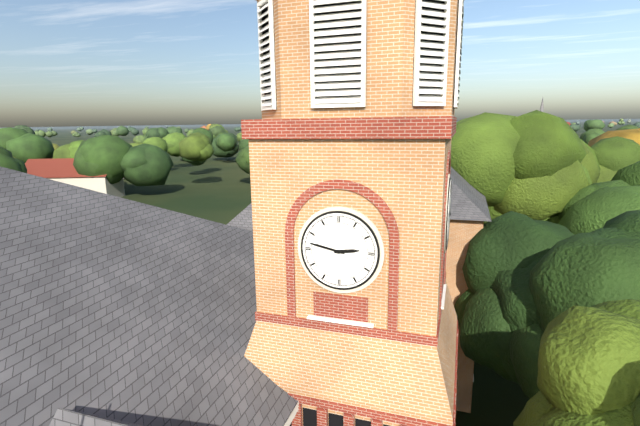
2,47
